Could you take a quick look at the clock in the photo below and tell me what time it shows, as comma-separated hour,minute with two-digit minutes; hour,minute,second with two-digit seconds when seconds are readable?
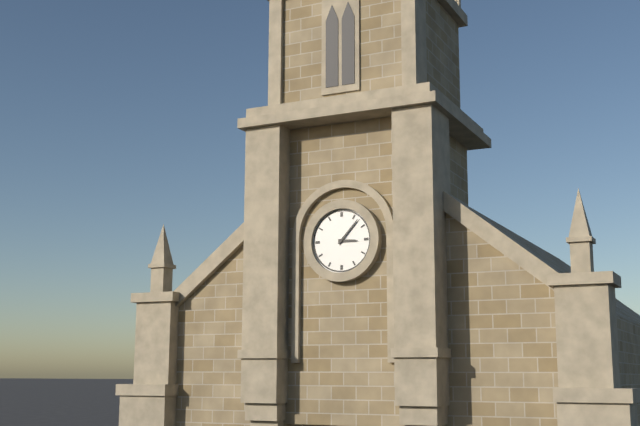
3,07
